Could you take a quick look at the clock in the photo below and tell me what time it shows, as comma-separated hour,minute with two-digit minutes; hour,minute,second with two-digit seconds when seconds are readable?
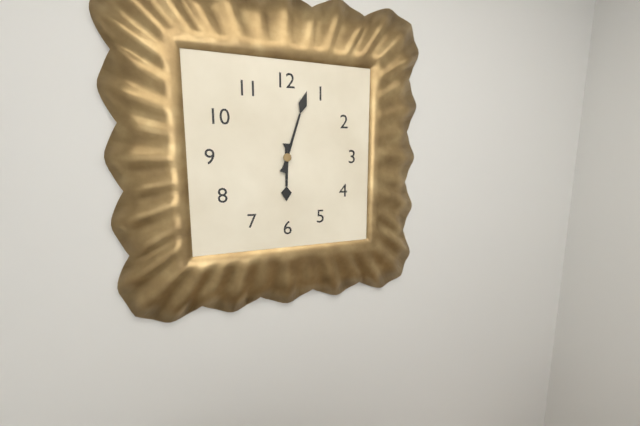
6,03
